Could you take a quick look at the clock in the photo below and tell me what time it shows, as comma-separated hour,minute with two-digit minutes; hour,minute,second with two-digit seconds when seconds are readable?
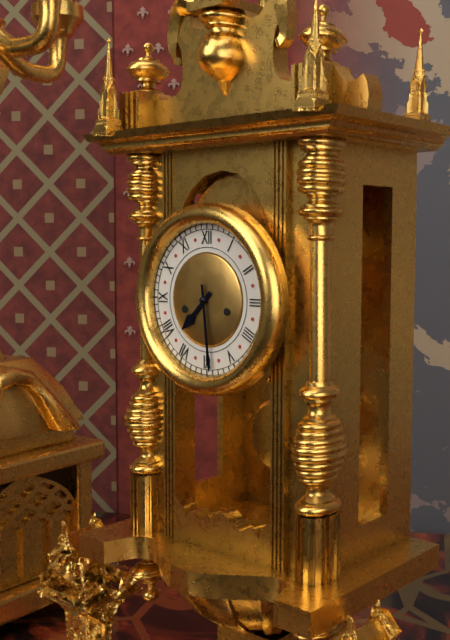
7,29
